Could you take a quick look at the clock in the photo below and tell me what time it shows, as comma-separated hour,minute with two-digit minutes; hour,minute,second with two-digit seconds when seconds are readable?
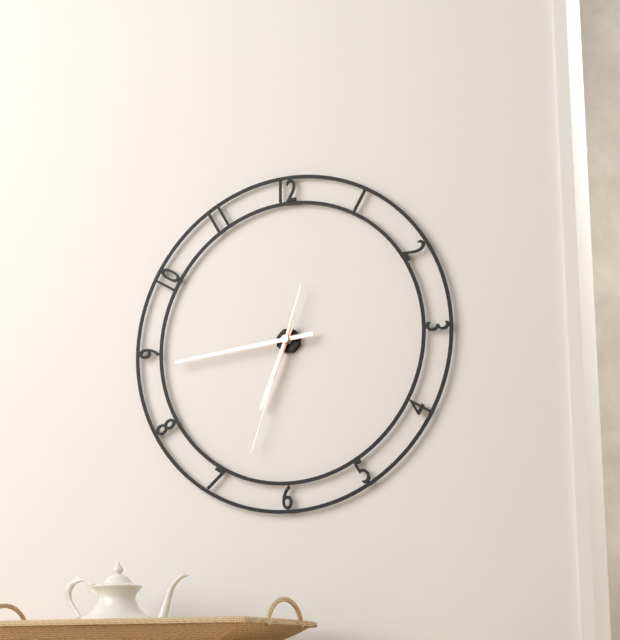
6,44,33
